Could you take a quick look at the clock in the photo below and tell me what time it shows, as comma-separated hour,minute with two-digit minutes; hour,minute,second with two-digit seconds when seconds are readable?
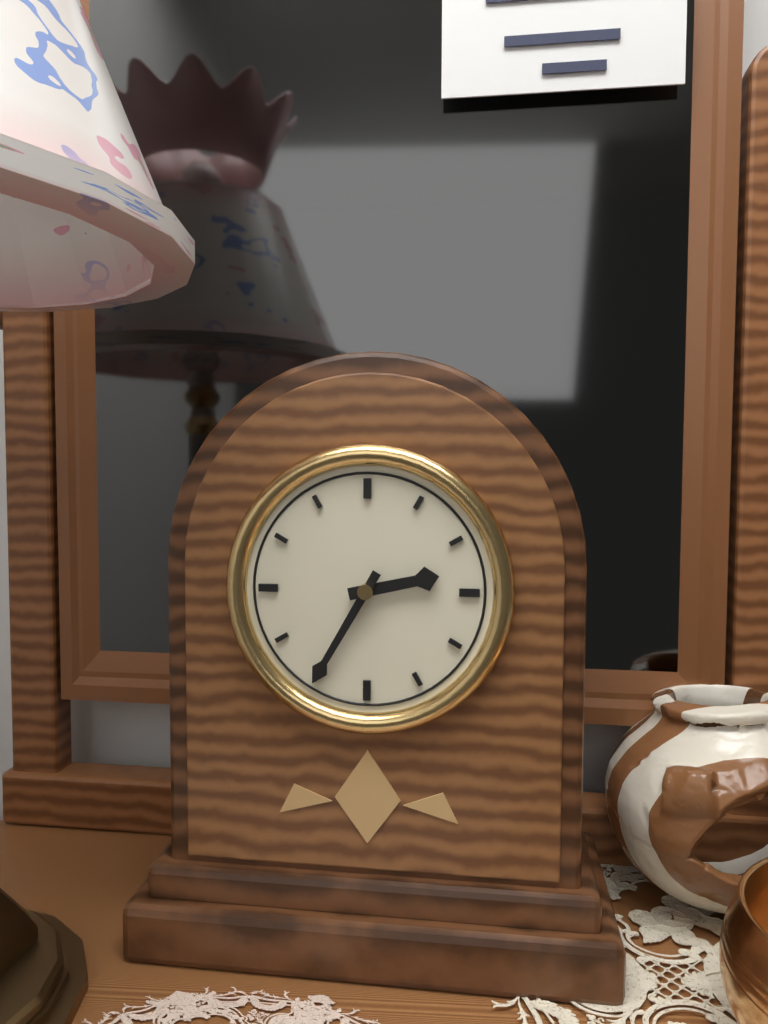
2,35
